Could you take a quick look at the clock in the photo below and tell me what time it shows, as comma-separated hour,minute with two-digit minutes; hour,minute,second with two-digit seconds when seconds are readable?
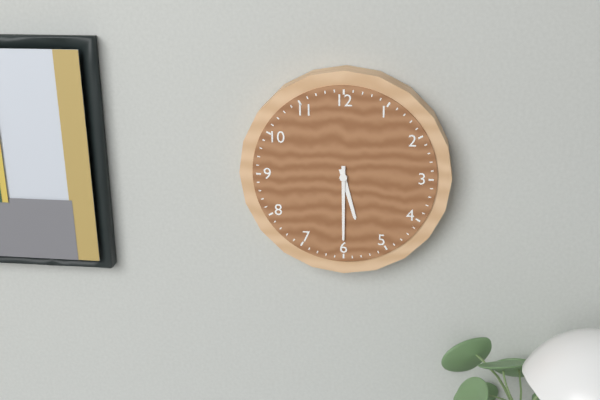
5,30
